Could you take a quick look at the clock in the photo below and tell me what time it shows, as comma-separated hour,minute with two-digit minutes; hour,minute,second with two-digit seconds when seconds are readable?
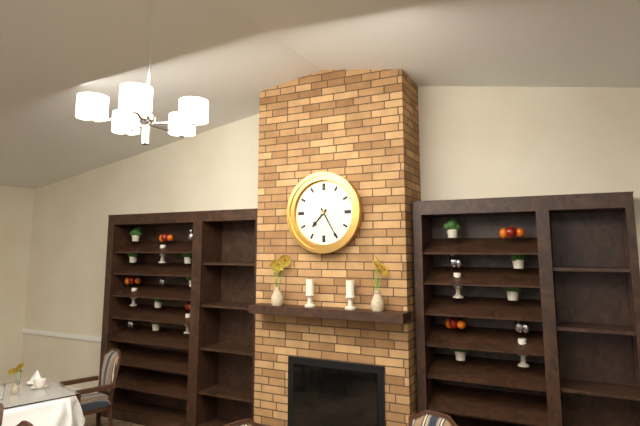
7,25
